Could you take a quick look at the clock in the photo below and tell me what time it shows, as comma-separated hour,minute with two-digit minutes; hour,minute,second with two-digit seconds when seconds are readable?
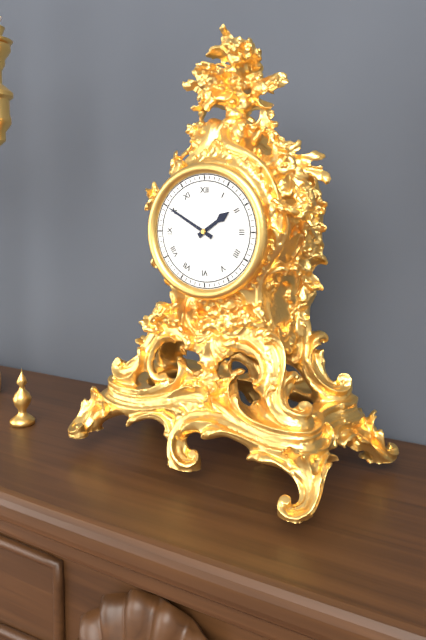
1,50
